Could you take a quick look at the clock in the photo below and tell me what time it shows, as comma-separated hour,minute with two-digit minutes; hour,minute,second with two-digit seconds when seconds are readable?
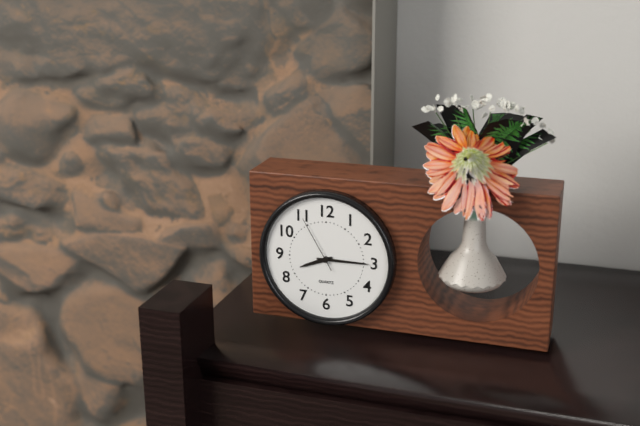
8,15,55
